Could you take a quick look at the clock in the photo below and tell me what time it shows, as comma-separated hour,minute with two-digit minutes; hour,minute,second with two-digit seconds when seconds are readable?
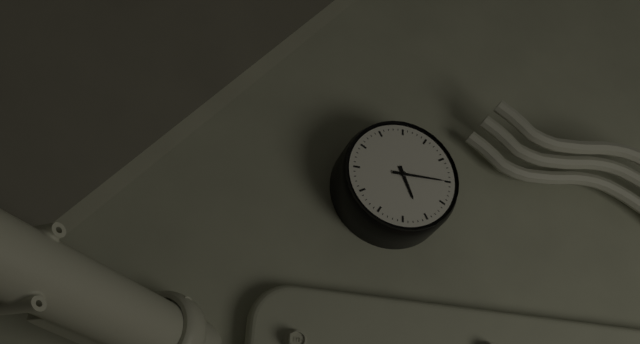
5,15
